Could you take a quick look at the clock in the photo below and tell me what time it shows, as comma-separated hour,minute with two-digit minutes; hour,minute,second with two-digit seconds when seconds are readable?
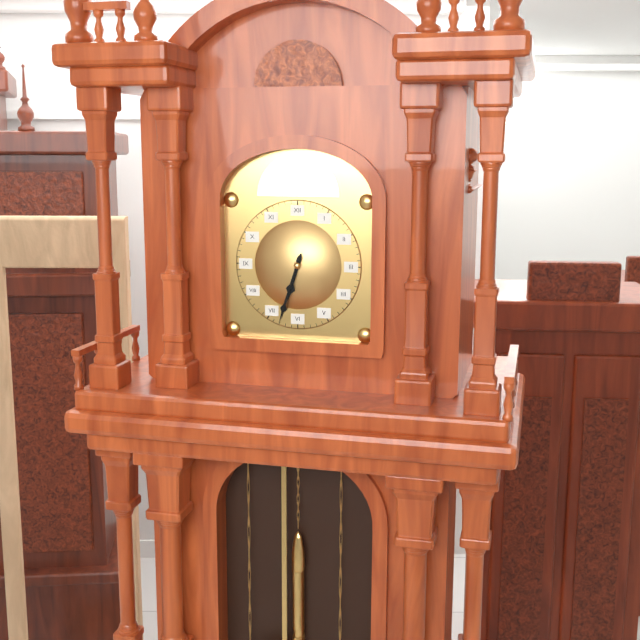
6,33
